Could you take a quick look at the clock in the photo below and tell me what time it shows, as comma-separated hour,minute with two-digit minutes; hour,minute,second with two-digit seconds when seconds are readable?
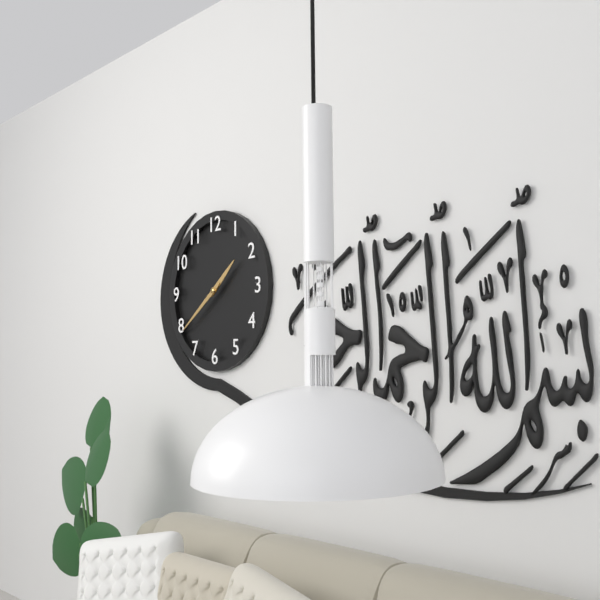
1,39
